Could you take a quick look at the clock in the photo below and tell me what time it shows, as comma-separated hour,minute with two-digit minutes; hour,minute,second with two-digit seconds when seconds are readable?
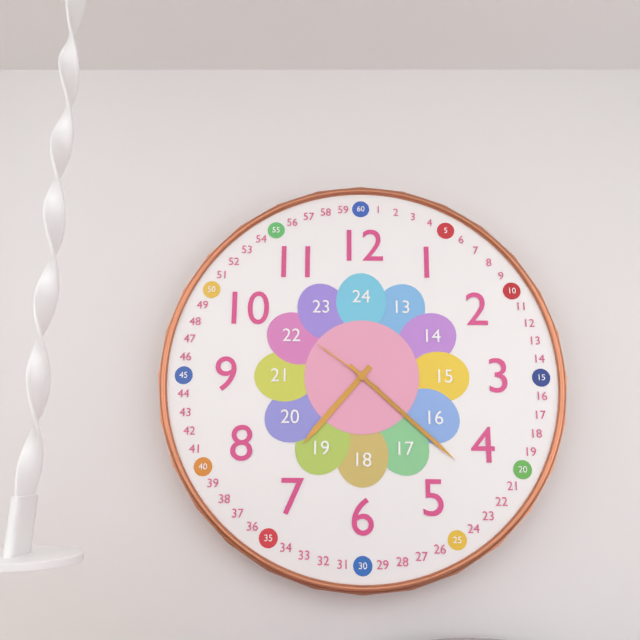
7,22,51
